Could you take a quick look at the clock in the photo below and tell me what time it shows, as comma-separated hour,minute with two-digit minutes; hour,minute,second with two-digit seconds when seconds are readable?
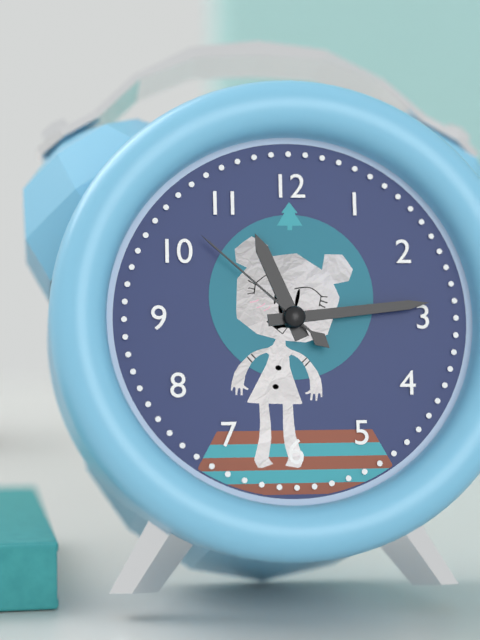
11,14,52
